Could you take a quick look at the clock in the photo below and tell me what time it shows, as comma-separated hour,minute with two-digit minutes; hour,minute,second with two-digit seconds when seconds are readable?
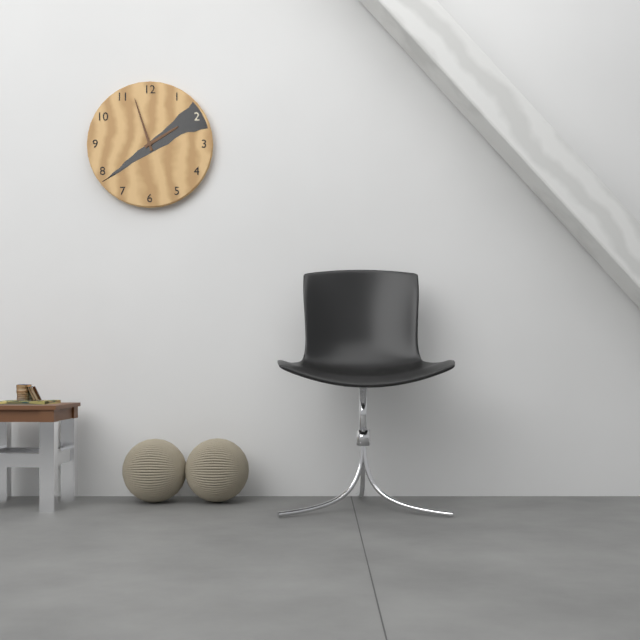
1,57
